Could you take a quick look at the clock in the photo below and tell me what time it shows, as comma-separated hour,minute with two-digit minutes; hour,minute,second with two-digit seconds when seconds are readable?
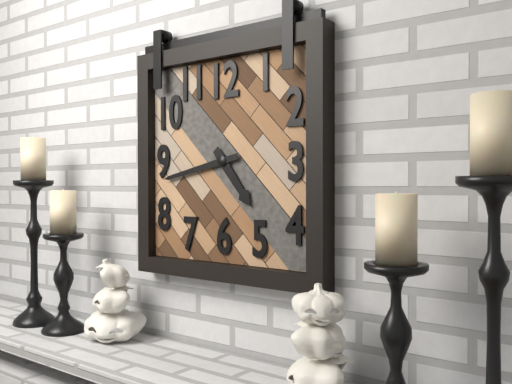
4,43
